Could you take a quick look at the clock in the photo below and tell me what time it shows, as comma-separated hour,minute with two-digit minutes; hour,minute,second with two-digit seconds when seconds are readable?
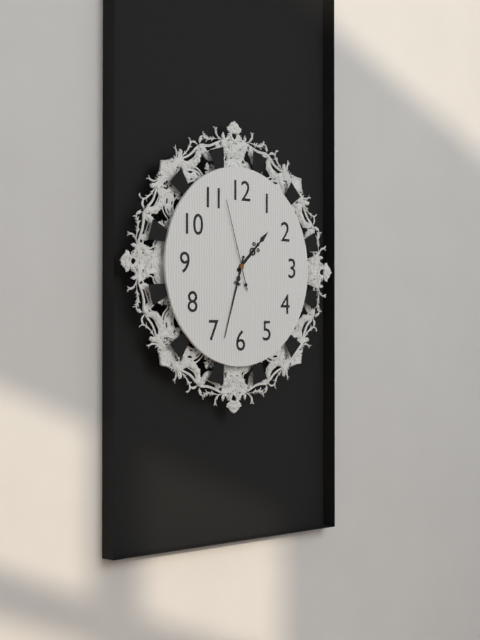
1,33,57
